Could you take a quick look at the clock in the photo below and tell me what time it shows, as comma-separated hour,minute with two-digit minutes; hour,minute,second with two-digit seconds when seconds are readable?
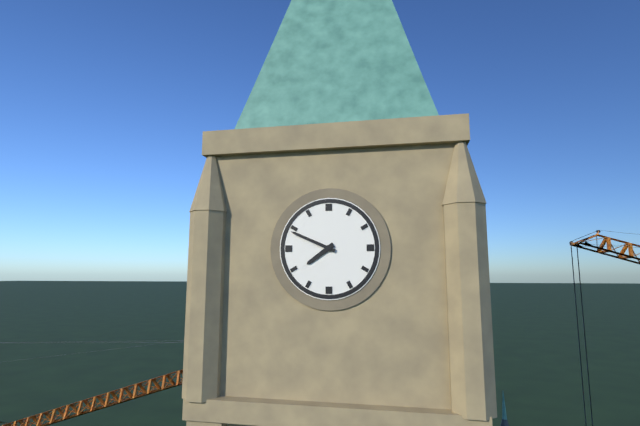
7,49
